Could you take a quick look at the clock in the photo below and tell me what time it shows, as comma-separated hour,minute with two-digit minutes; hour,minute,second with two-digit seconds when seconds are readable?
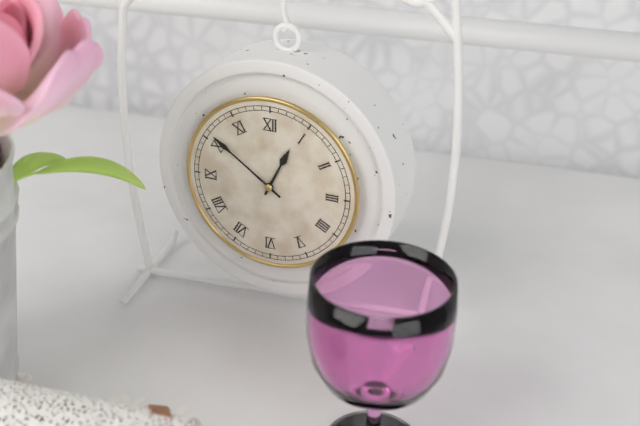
12,51
